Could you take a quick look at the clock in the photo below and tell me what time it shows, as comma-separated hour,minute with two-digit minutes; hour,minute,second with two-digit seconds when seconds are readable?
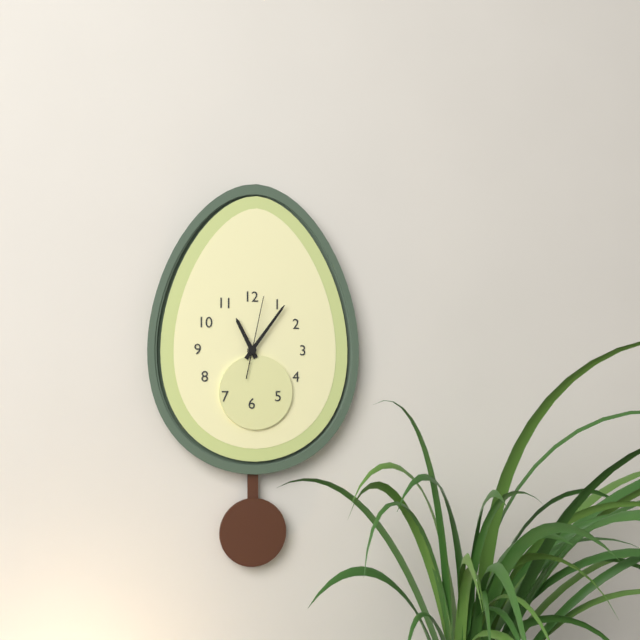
11,06,02
